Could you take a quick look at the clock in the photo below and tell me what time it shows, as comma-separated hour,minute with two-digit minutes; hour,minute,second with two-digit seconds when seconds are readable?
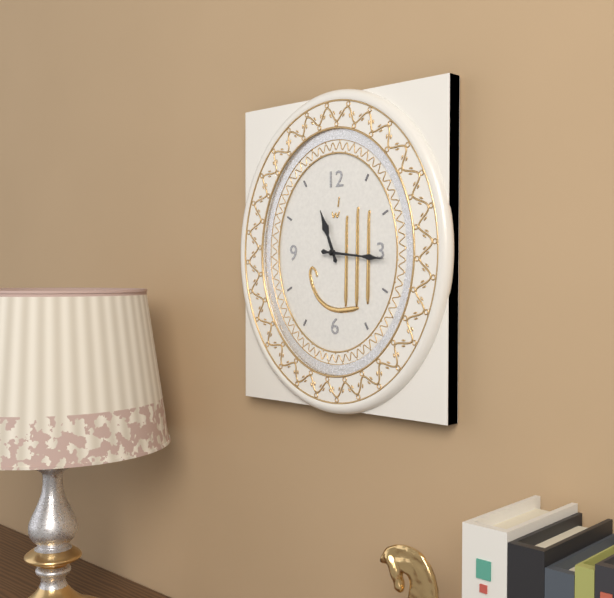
11,16
